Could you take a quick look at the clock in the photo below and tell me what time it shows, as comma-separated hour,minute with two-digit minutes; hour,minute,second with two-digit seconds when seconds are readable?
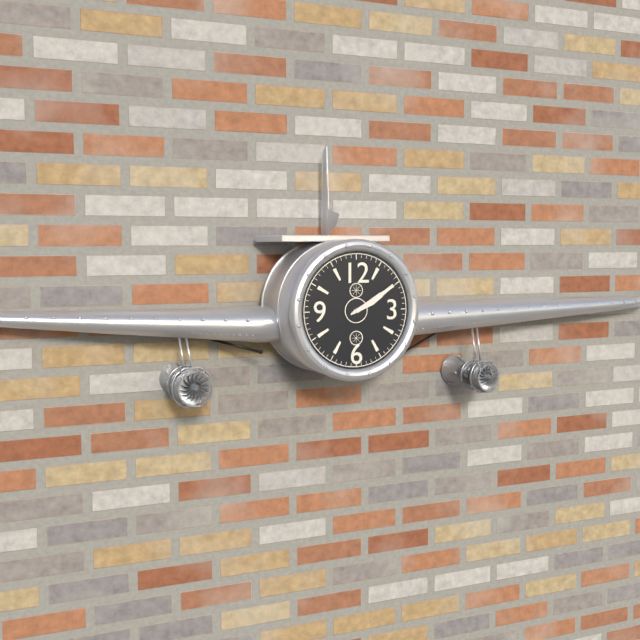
2,10
